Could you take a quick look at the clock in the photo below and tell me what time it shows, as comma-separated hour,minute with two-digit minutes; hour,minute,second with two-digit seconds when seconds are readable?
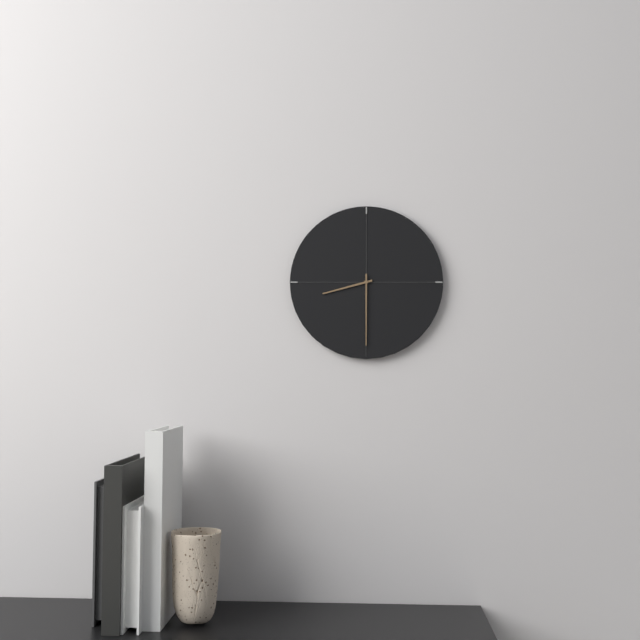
8,30
